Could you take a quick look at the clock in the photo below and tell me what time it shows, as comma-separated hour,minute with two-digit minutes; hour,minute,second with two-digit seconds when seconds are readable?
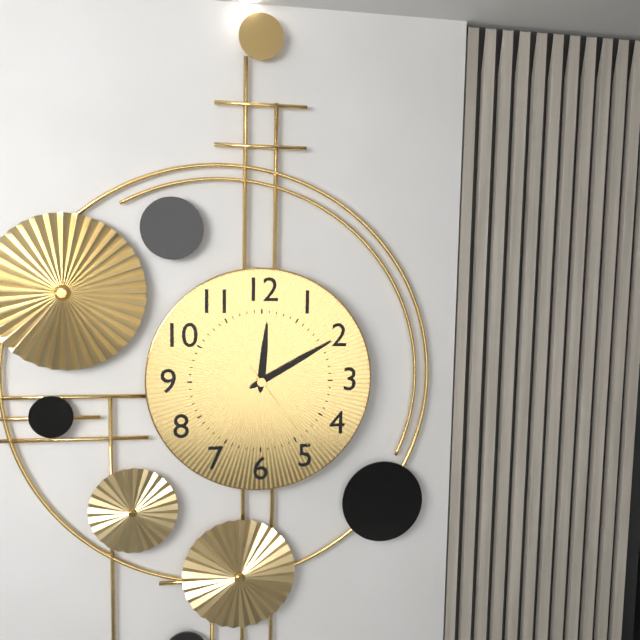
12,10,24
